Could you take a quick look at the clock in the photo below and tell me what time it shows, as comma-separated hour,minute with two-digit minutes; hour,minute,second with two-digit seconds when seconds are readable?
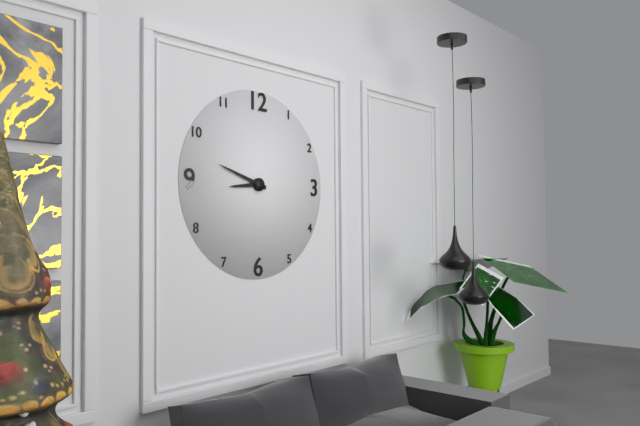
8,48
